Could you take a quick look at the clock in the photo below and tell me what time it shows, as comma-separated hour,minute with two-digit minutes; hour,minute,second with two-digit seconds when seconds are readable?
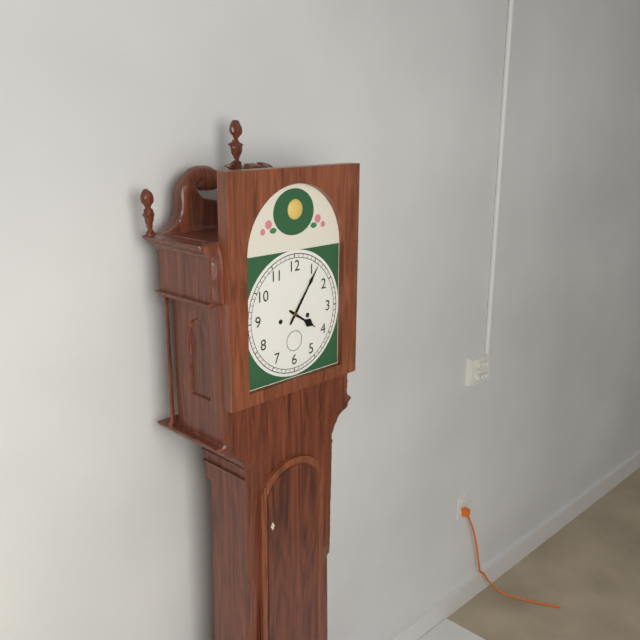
4,06
